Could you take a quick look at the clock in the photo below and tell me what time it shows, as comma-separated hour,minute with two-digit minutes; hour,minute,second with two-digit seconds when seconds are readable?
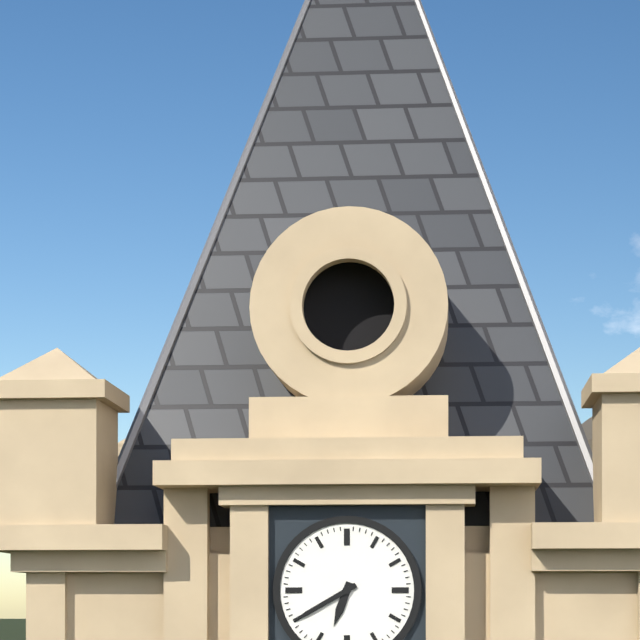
6,40
